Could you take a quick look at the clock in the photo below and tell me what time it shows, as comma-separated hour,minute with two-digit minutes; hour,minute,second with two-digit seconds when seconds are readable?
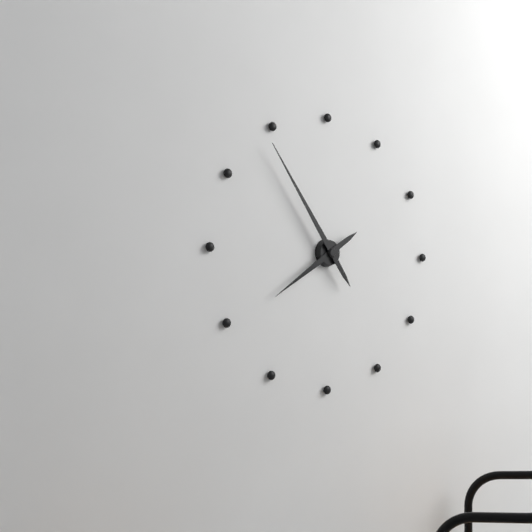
7,54
